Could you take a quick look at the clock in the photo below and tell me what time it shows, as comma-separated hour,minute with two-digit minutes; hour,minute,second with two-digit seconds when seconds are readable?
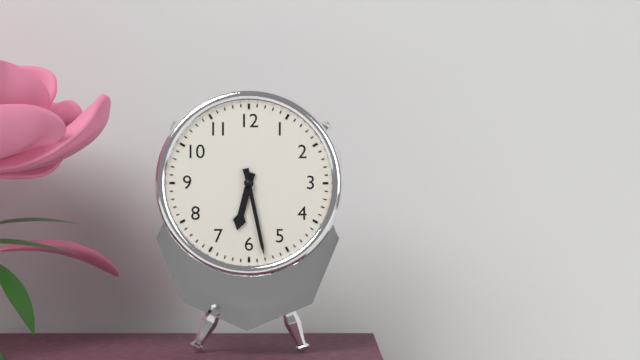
6,28
